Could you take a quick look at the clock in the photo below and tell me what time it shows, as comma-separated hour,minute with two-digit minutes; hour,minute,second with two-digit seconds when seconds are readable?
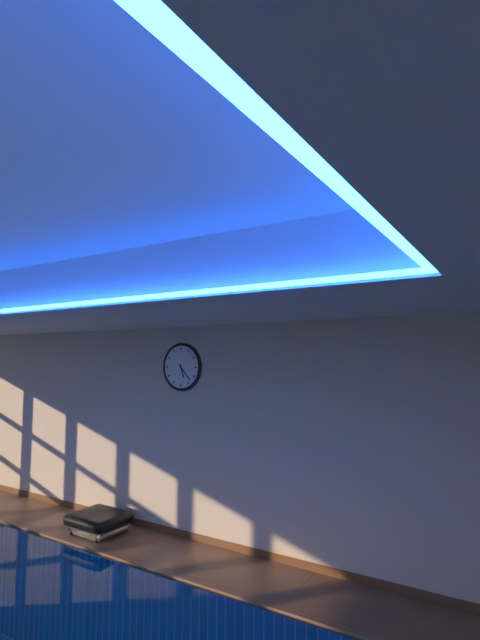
5,23
